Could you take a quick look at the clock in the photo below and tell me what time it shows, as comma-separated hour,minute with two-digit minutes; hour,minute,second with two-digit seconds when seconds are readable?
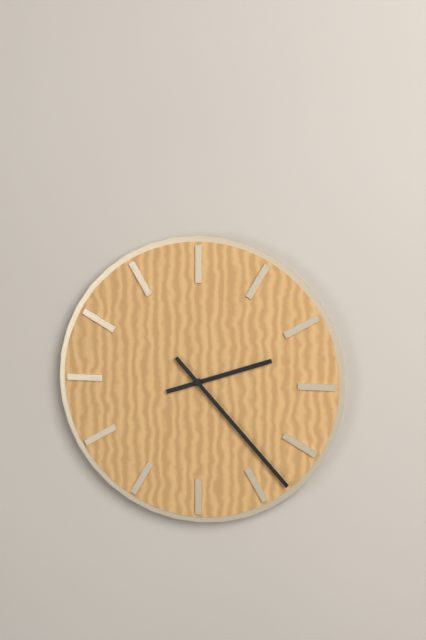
2,23
